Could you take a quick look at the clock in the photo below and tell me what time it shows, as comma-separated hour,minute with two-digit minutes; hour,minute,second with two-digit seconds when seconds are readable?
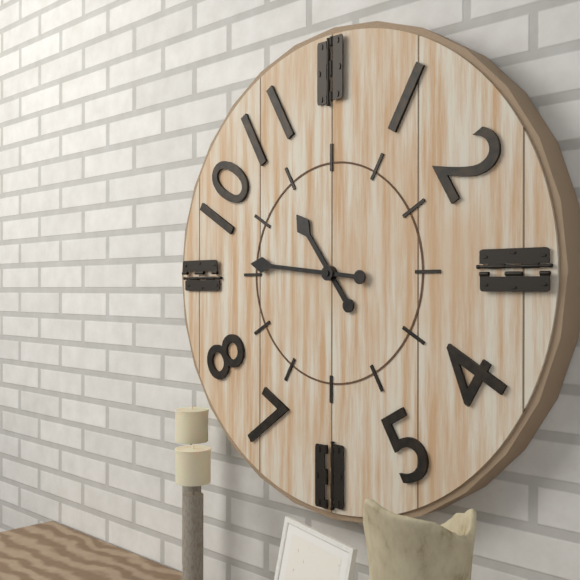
10,46
